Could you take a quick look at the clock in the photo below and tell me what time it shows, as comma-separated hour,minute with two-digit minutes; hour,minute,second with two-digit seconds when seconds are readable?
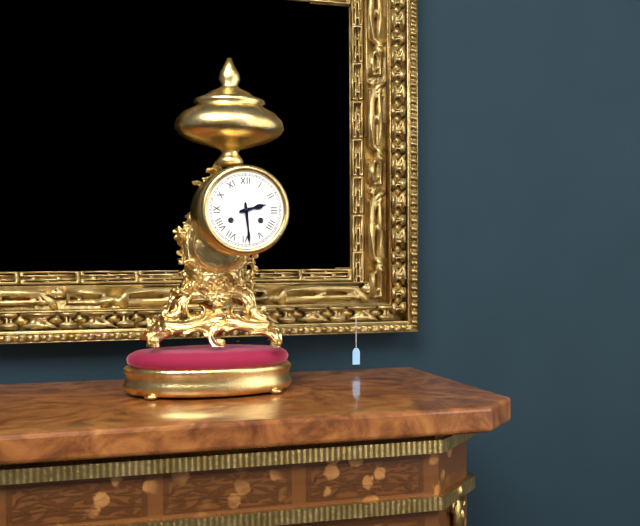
2,29
